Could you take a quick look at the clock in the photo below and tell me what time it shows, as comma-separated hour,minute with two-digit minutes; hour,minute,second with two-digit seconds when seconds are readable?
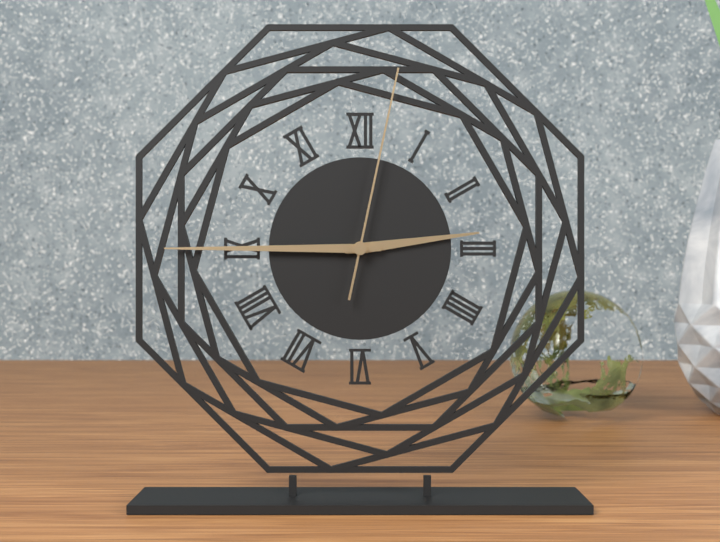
2,45,02
